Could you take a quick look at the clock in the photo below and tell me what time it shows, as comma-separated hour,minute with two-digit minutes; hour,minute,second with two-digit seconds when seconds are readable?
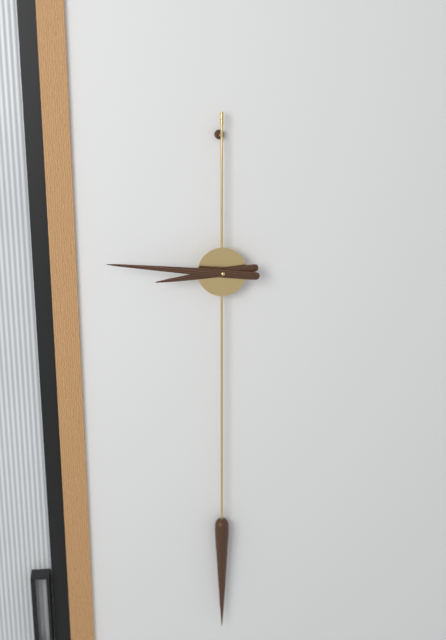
8,46
